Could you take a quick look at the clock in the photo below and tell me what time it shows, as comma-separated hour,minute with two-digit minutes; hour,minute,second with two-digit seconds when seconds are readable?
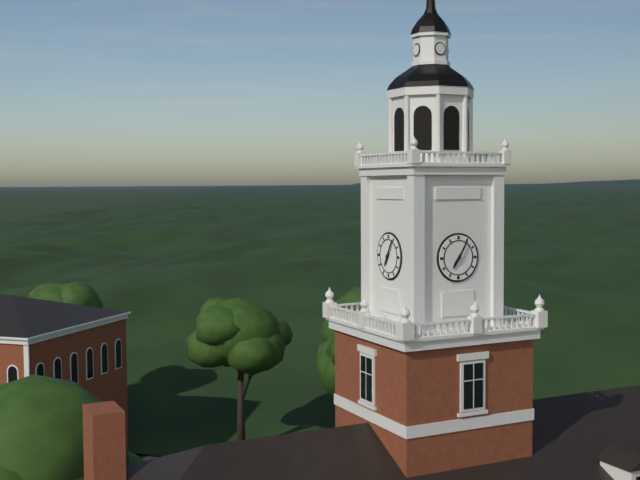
7,05
